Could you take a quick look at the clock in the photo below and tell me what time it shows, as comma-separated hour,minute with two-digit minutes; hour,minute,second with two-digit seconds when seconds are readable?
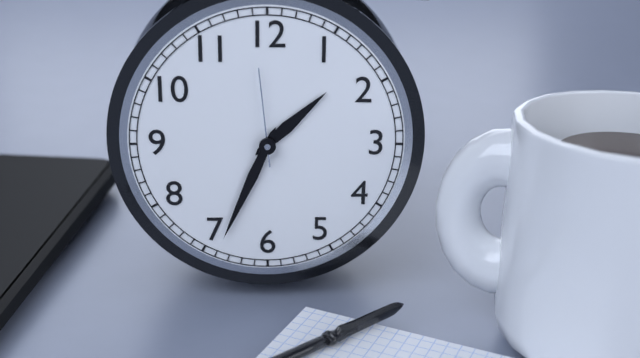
1,34,59
